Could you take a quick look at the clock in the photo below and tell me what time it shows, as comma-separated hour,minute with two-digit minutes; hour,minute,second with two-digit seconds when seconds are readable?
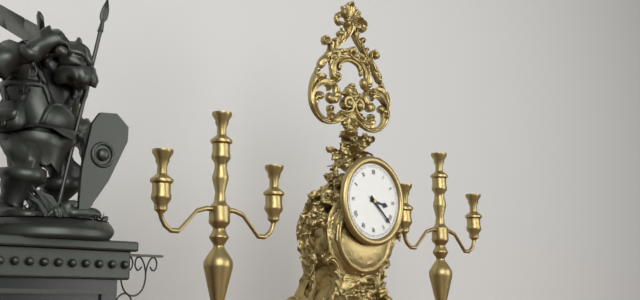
3,22
